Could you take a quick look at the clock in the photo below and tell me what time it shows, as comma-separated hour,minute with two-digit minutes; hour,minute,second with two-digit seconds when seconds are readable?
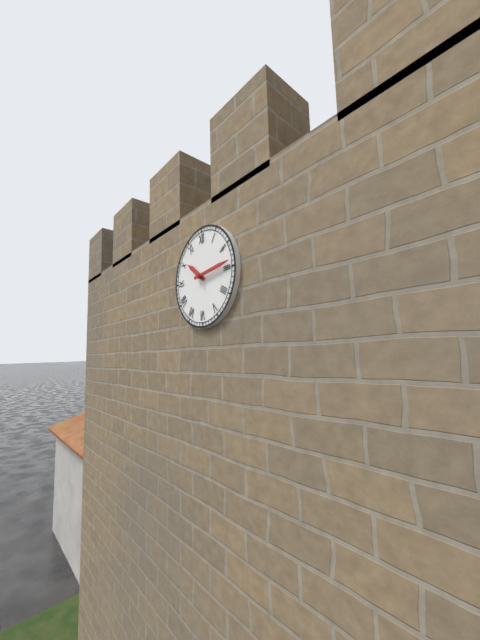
10,14
